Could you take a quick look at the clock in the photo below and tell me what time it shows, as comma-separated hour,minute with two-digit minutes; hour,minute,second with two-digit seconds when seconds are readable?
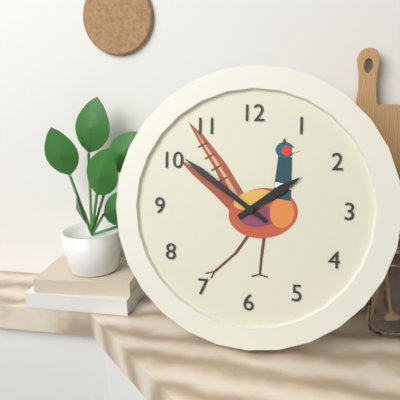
1,51
